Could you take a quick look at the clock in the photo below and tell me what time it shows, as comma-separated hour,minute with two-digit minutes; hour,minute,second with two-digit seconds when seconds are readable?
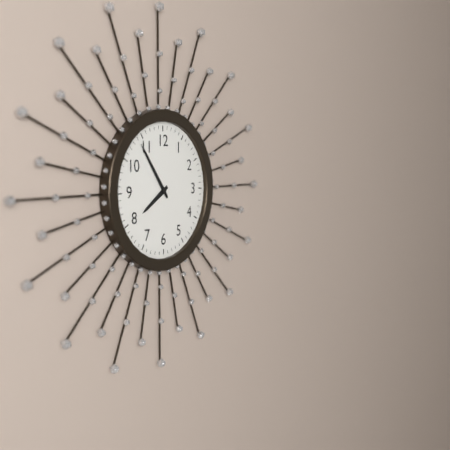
7,54
